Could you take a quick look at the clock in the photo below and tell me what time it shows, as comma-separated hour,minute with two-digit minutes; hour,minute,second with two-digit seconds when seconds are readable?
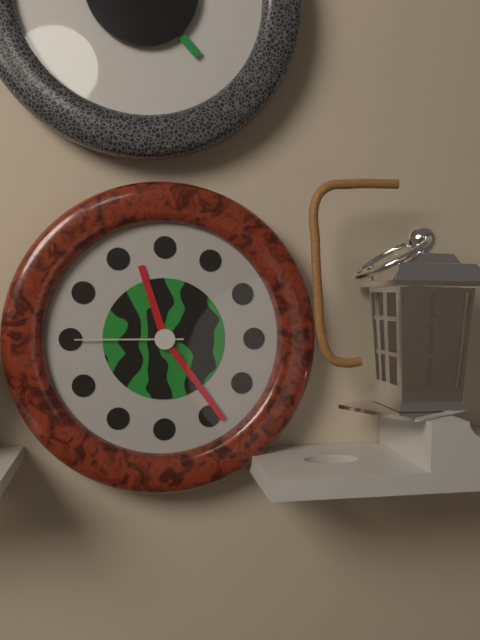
11,24,45
